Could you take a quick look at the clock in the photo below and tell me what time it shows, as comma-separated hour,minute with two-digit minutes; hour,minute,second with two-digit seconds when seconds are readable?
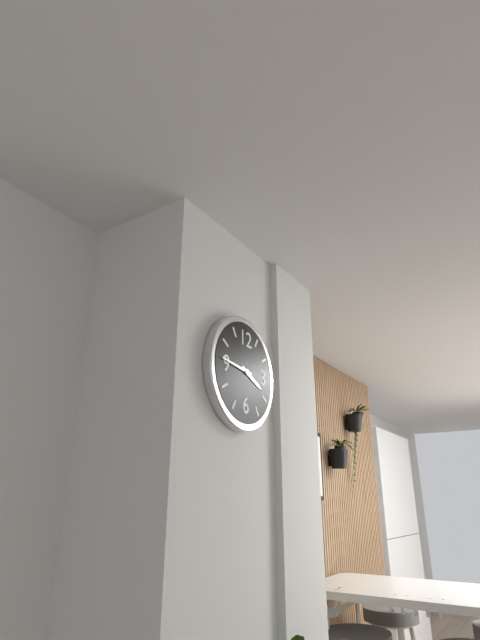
3,46
